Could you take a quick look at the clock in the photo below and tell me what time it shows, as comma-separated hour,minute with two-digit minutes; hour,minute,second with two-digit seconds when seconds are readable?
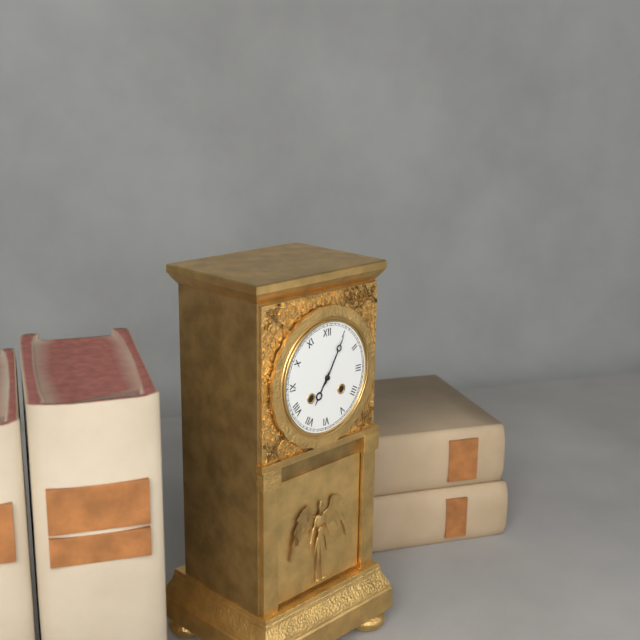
7,05
